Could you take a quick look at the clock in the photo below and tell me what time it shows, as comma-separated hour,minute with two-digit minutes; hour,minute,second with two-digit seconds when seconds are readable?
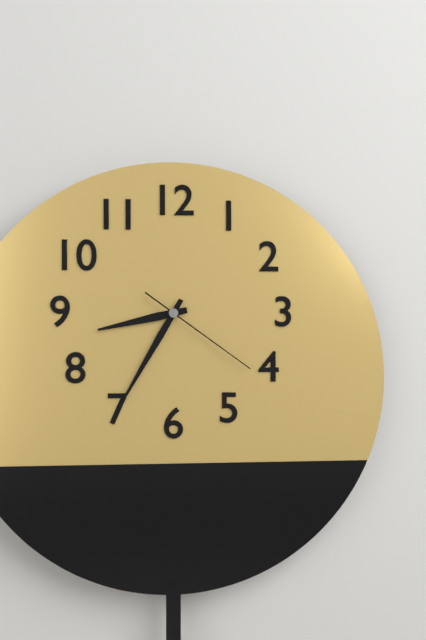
8,35,21
